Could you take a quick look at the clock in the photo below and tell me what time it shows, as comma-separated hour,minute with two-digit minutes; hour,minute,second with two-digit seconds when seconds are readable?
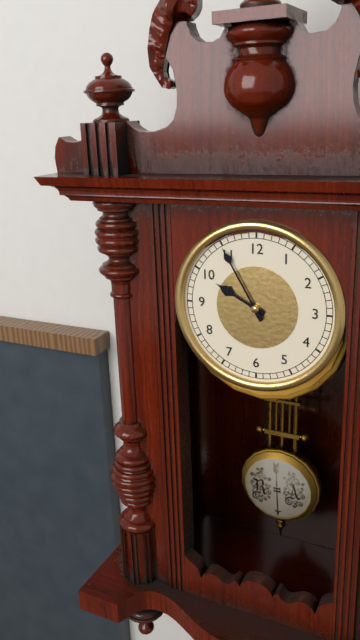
9,55
